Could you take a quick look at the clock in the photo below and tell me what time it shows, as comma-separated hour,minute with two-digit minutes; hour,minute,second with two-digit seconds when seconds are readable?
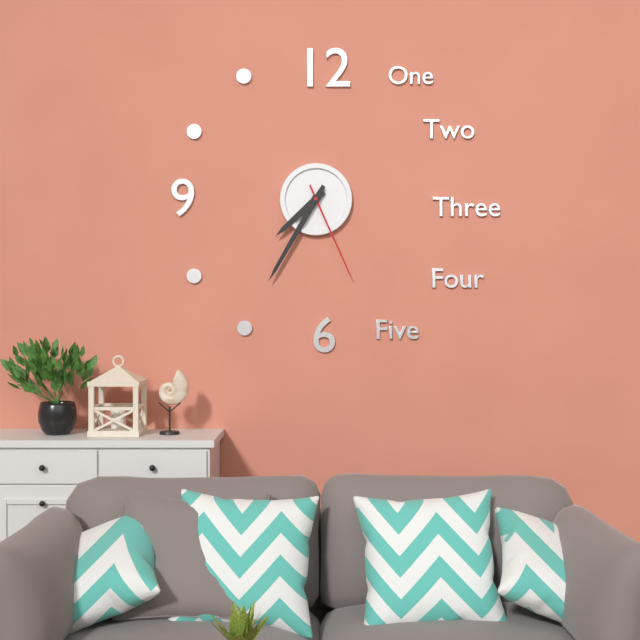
7,35,26
